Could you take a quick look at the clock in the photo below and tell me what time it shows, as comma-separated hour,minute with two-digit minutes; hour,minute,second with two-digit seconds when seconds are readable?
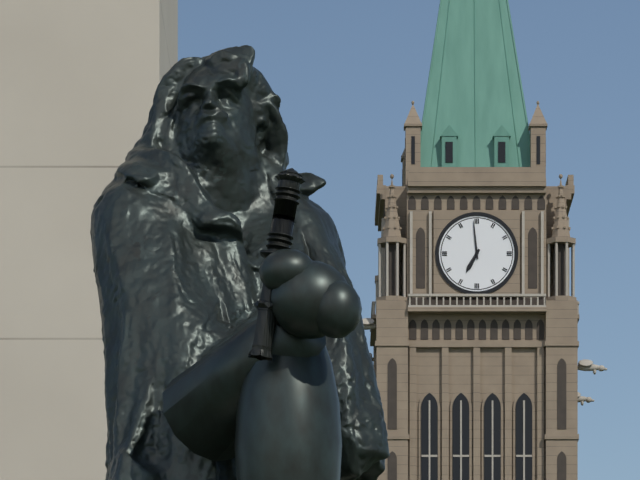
6,59
